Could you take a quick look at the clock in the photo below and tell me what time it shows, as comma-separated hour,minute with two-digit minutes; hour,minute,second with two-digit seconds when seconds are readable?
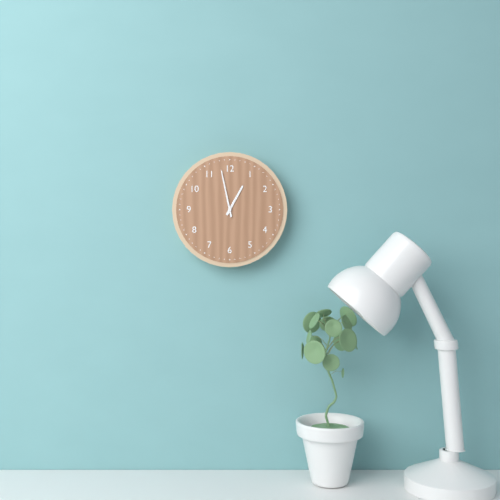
12,58
